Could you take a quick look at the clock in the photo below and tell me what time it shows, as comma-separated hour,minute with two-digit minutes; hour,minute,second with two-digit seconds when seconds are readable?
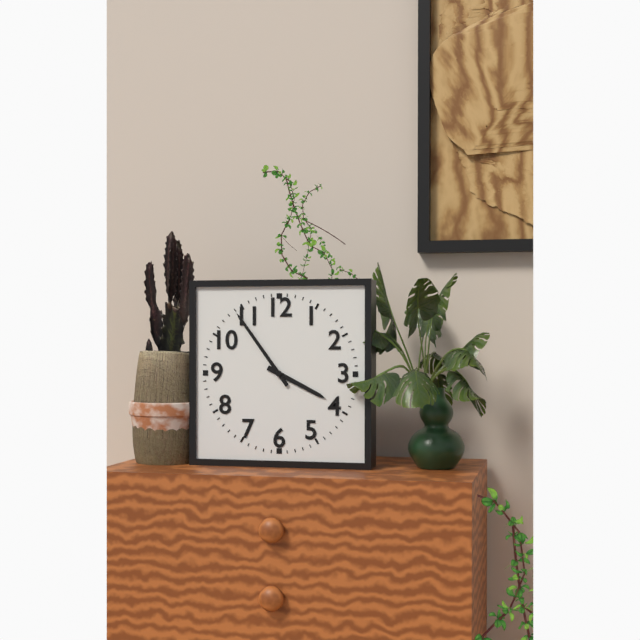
3,54
